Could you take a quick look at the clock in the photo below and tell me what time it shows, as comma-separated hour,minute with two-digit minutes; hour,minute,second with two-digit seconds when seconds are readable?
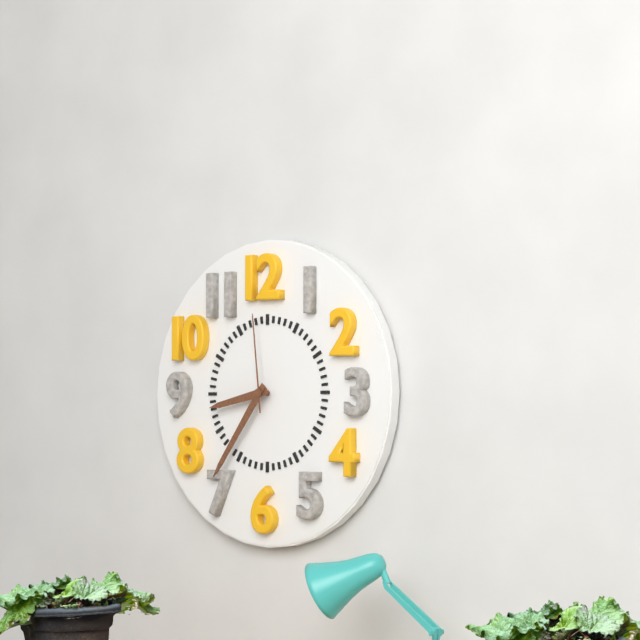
8,36,59
